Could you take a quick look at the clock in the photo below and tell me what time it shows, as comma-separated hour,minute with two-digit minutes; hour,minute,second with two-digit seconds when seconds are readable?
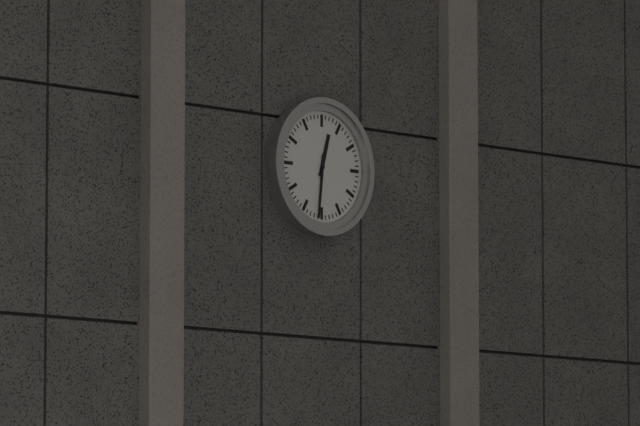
12,31
